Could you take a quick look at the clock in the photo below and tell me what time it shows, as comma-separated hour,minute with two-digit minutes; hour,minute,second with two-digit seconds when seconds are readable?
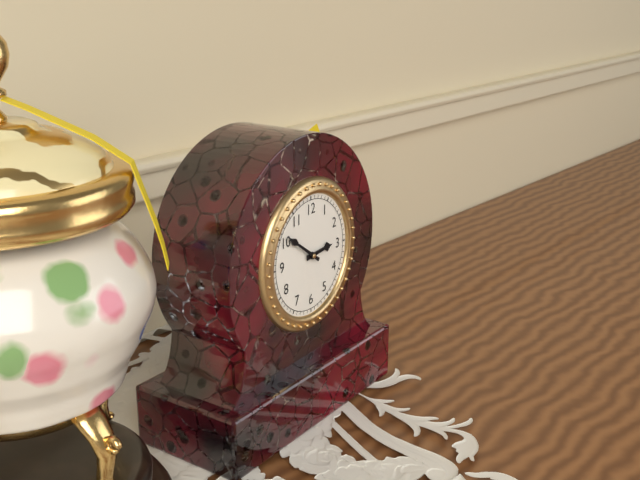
2,51
